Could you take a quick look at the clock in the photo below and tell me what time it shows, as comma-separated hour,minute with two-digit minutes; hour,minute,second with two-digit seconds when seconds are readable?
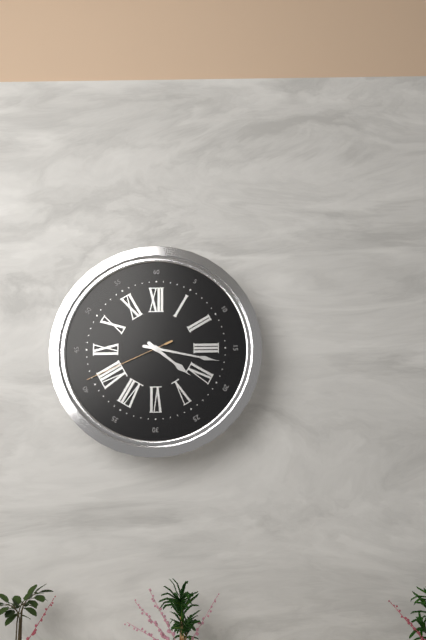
4,17,41
